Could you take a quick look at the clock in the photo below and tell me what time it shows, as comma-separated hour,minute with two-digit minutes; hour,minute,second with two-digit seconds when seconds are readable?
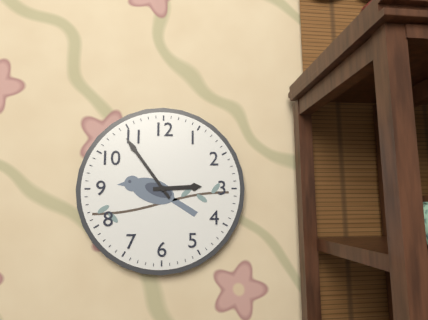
2,54
